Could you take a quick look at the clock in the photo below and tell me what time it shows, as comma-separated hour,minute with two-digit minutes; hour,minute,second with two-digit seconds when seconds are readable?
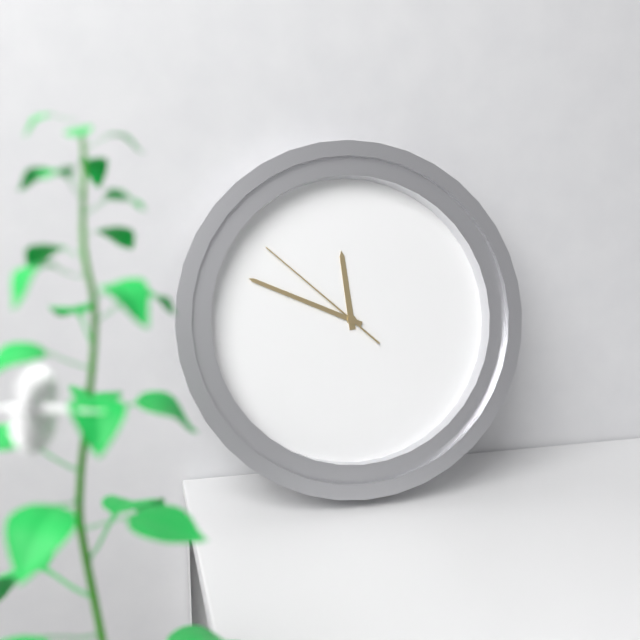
11,49,52
